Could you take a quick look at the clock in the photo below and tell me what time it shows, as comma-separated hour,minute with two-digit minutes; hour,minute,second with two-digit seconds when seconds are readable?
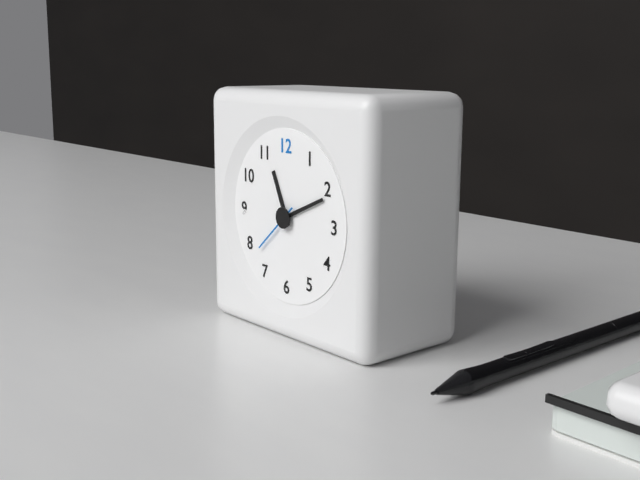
11,11
